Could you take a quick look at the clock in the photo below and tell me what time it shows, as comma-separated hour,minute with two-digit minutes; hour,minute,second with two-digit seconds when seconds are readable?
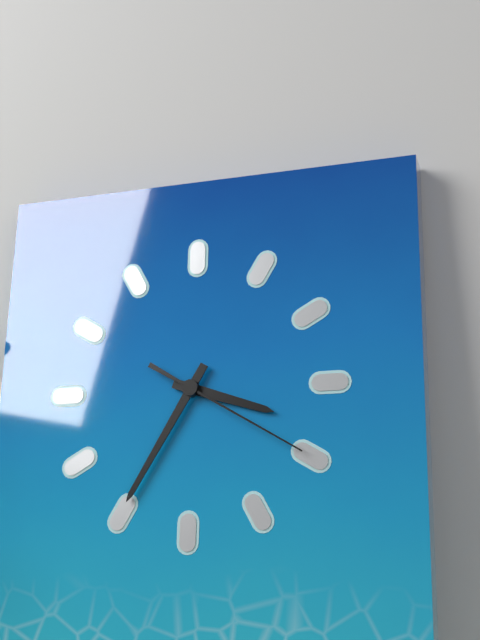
3,35,20
